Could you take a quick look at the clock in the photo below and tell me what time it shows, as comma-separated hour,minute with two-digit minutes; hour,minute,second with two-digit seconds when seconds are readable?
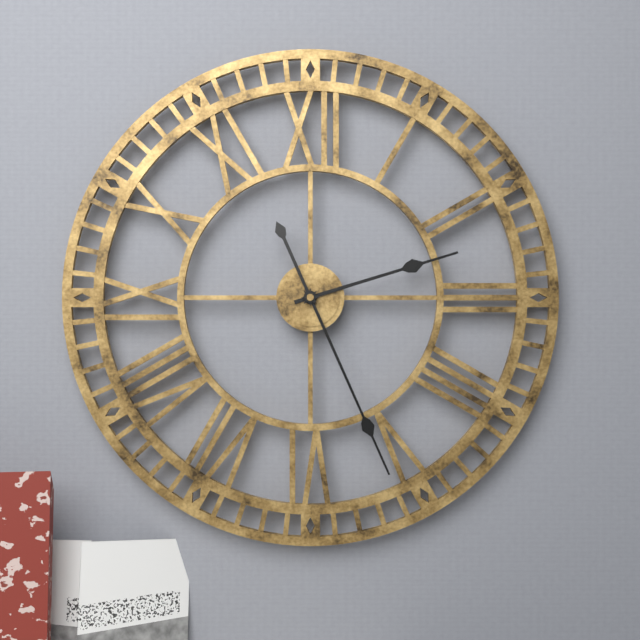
2,26
